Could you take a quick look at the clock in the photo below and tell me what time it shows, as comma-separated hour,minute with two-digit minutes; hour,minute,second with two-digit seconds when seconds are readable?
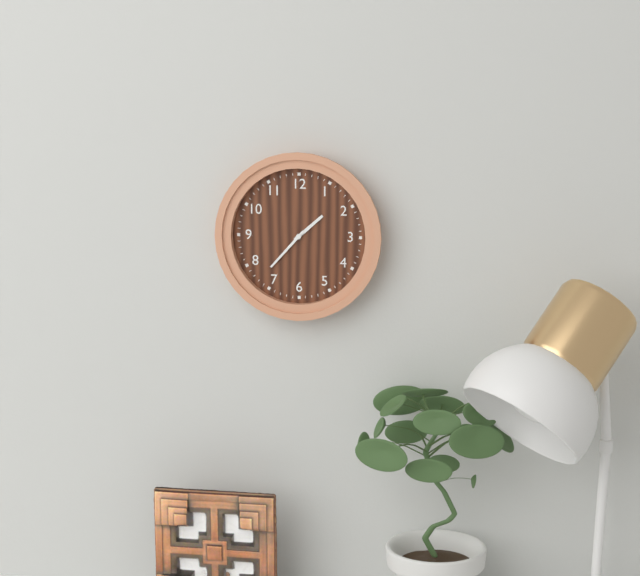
1,37
